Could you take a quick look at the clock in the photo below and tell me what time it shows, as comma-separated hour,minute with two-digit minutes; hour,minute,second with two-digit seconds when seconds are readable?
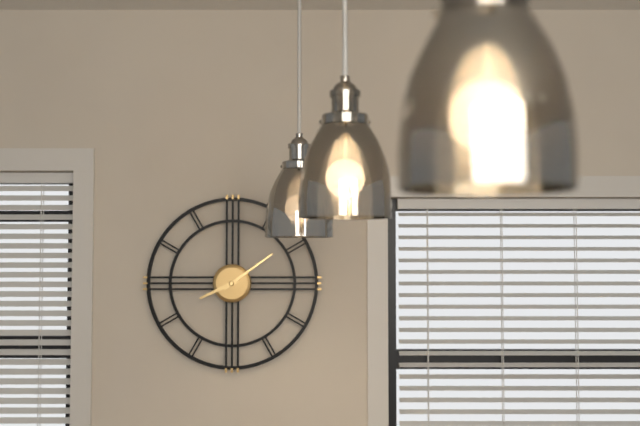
8,09
